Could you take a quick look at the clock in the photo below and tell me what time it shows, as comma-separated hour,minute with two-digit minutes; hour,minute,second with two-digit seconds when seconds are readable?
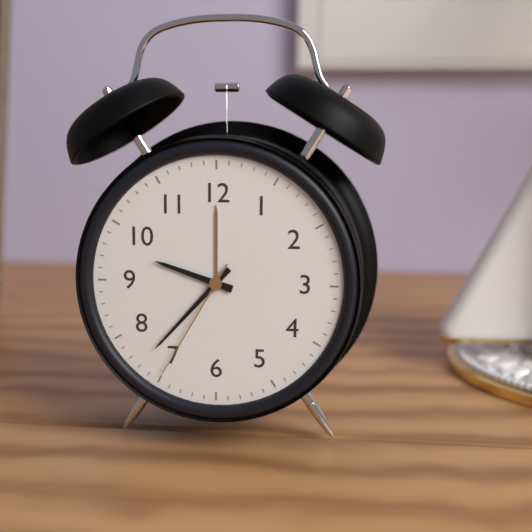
9,37,35
